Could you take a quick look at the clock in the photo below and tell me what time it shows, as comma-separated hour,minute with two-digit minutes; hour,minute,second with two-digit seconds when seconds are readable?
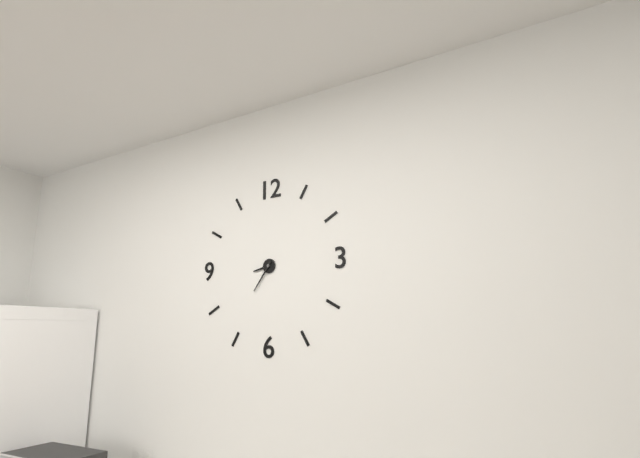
8,36
